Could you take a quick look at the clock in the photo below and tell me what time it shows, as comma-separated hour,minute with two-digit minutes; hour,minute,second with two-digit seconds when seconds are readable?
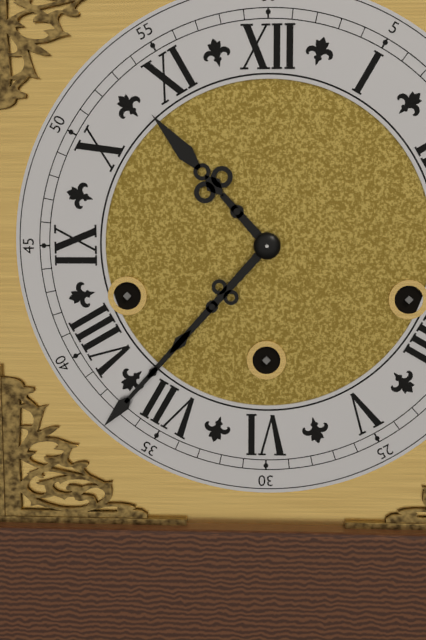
10,37
